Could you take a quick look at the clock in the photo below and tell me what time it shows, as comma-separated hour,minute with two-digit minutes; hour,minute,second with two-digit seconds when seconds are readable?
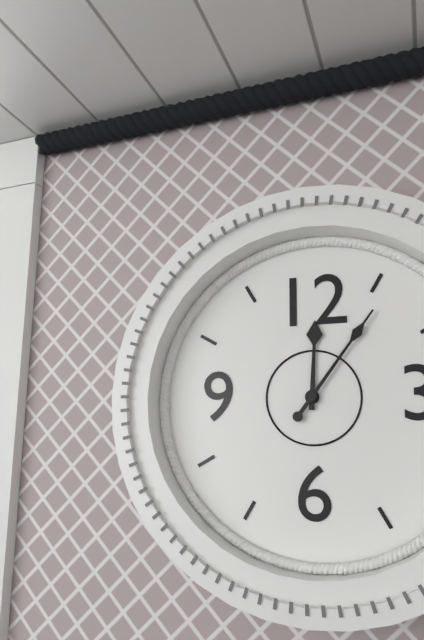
12,06
